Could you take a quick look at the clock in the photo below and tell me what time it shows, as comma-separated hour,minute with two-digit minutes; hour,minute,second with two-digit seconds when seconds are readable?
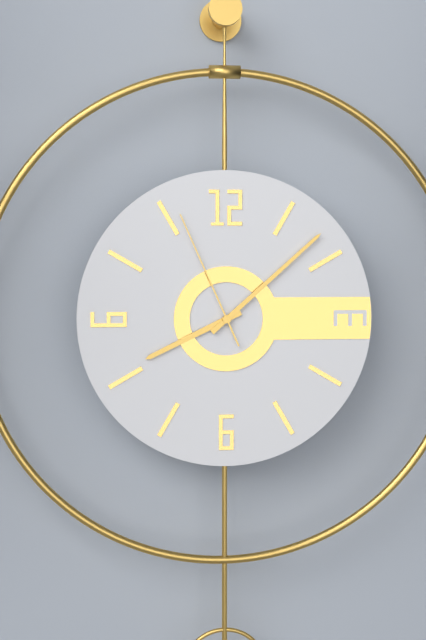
8,08,56
